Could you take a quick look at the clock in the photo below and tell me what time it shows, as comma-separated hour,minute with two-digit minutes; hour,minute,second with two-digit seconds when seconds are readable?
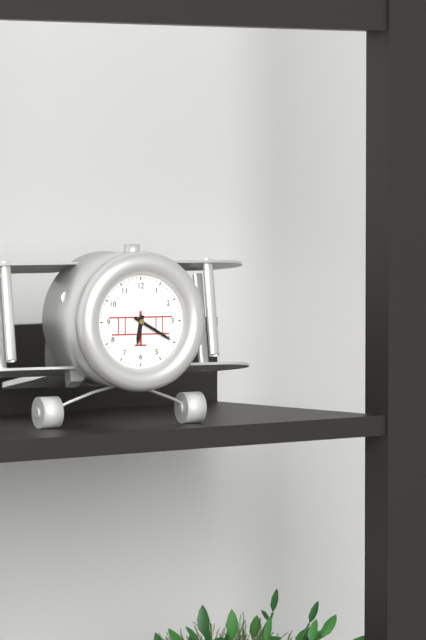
6,20
